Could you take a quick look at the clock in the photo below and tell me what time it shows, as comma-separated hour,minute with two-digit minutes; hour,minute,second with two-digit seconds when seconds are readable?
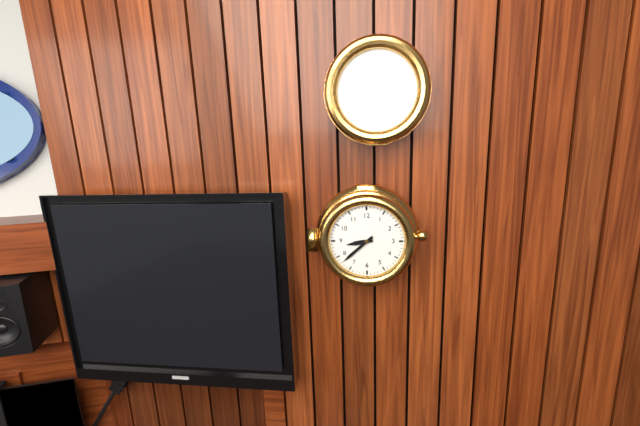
8,38
